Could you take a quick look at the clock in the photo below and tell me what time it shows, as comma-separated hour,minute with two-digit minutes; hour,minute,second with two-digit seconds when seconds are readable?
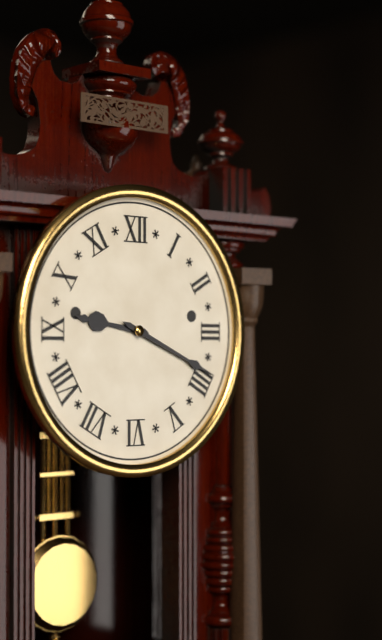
9,19
